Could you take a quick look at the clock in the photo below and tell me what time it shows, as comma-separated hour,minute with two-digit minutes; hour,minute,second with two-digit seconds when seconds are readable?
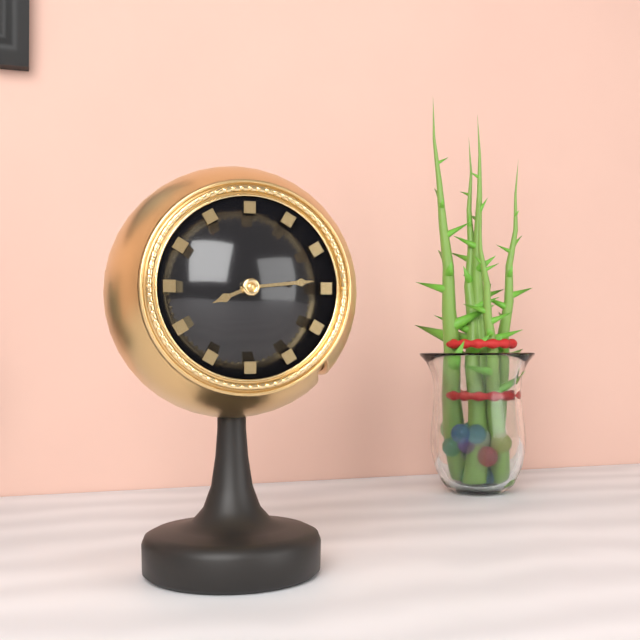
8,14
